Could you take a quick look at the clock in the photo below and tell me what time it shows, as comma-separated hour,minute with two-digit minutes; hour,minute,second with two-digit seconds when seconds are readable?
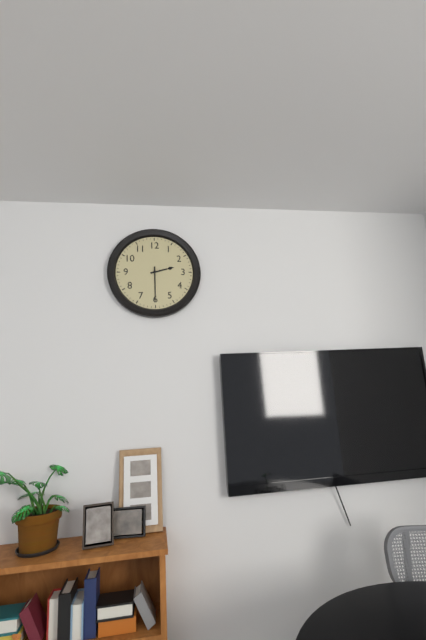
2,30
